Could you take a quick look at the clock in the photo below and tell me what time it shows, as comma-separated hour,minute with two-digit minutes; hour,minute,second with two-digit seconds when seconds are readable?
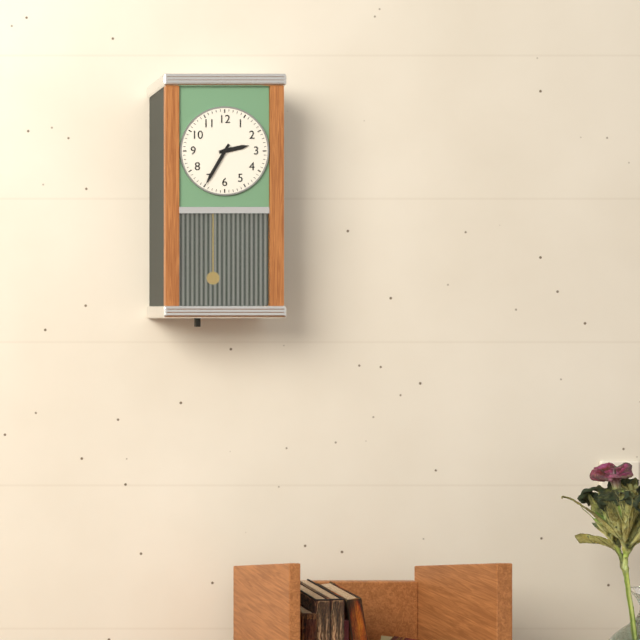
2,35
